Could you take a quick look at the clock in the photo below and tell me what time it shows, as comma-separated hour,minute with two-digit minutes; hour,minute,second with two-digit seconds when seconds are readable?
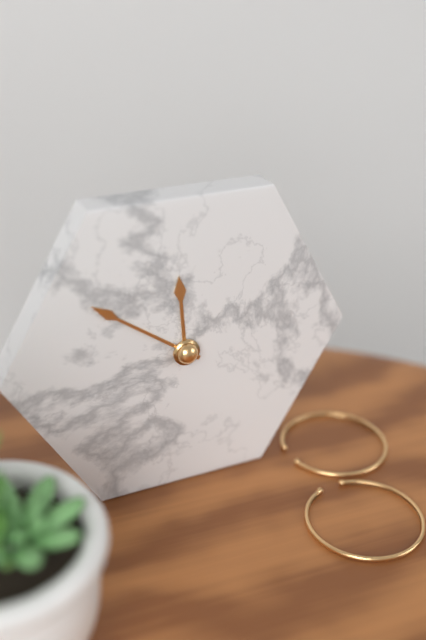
11,51
